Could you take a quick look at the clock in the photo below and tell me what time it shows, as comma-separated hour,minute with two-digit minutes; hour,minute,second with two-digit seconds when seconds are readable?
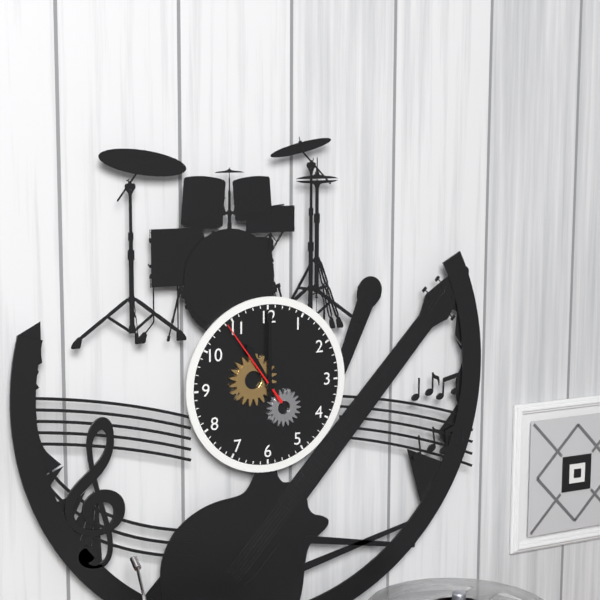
11,00,54
